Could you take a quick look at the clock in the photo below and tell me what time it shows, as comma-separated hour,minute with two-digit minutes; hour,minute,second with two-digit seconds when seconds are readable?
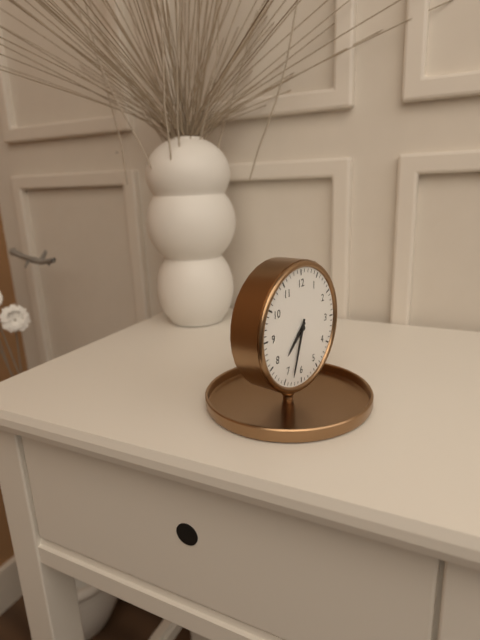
7,33
